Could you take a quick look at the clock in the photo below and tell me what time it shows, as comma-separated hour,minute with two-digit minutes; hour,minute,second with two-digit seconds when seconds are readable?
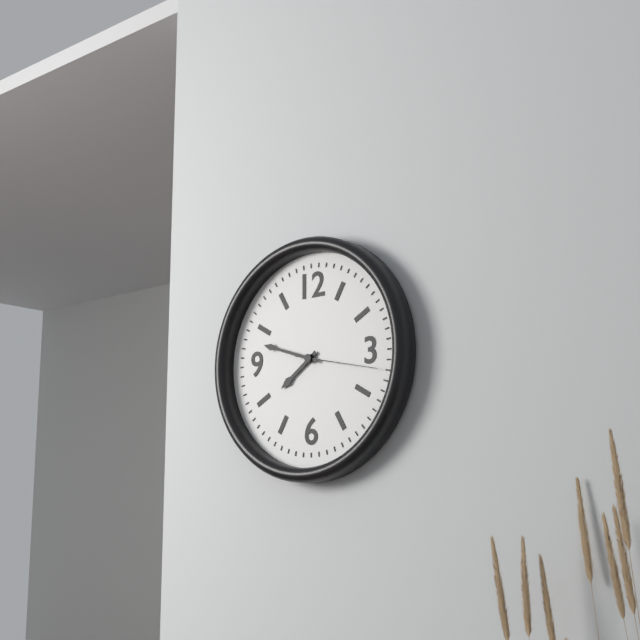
7,48,17
